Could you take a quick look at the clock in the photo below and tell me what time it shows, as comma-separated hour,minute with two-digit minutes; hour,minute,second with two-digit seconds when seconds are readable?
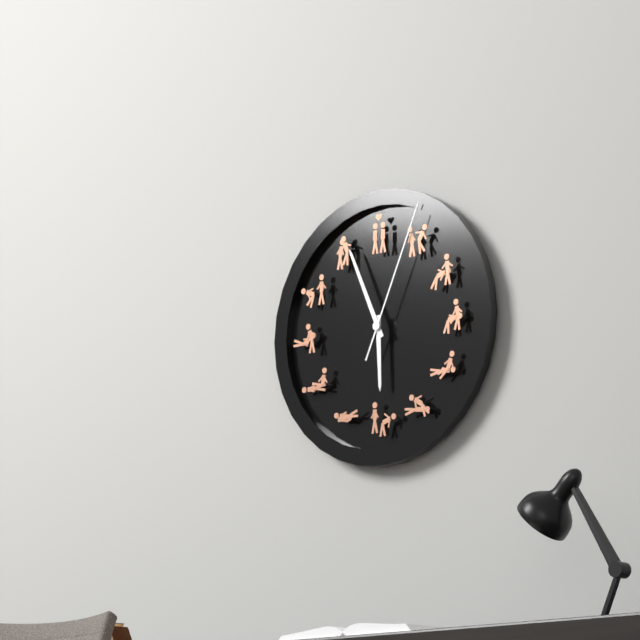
5,56,04
